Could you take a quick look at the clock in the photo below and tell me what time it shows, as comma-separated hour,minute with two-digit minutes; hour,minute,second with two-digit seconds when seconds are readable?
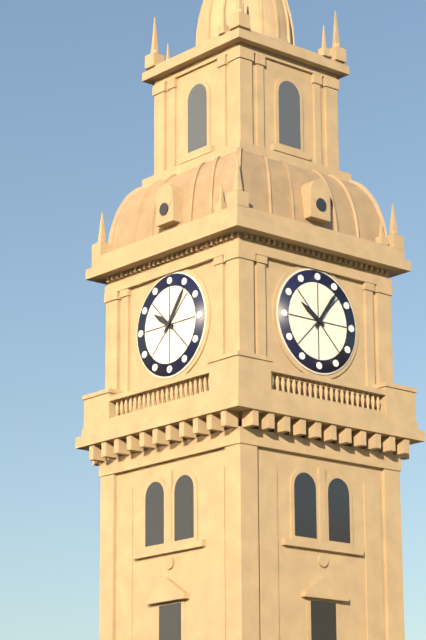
10,06
